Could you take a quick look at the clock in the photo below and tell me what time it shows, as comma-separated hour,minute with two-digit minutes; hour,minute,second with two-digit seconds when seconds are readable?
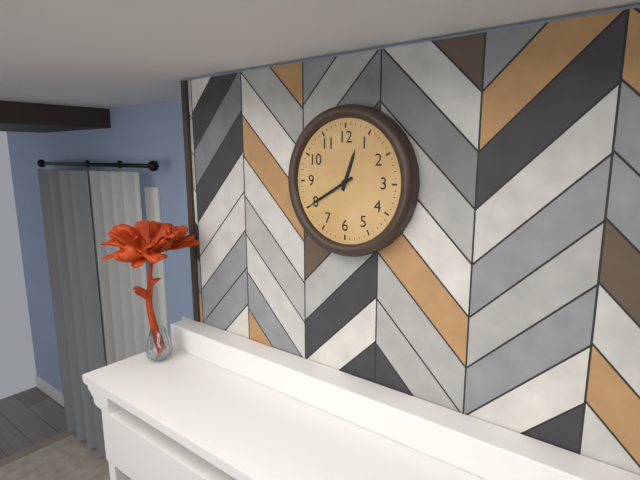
12,40
